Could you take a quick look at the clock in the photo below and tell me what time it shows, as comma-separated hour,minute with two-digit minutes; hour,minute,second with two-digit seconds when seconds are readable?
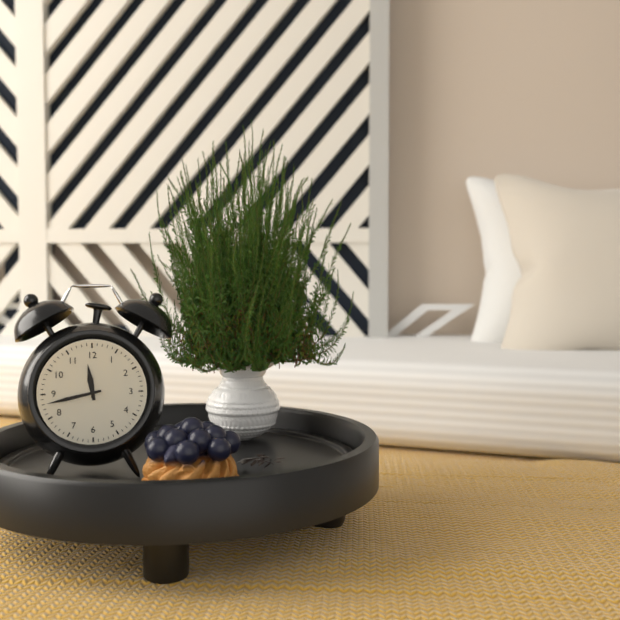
11,43
